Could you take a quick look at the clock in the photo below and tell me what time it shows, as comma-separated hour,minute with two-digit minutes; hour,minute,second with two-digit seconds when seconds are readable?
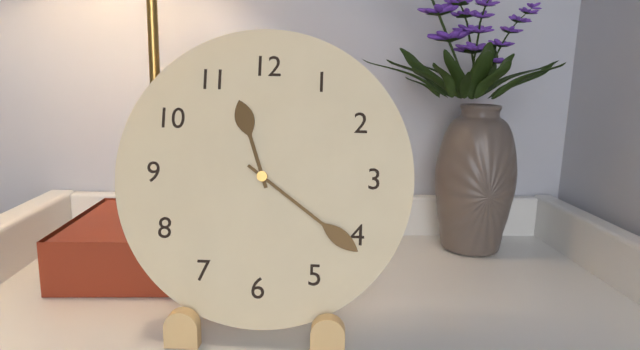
11,21
